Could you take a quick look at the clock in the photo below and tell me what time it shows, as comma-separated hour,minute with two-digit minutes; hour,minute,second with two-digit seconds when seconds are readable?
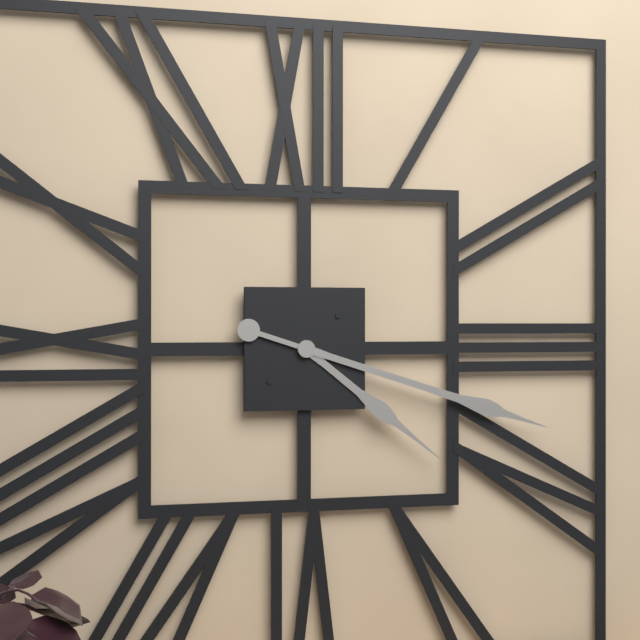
4,18
